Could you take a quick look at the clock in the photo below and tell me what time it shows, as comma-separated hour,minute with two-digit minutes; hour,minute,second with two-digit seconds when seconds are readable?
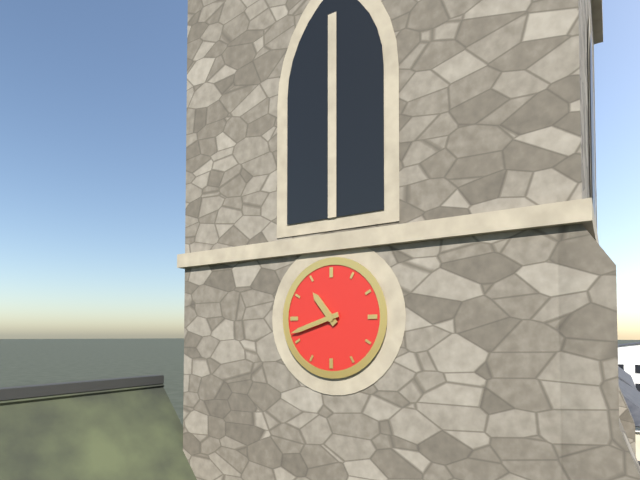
10,42
